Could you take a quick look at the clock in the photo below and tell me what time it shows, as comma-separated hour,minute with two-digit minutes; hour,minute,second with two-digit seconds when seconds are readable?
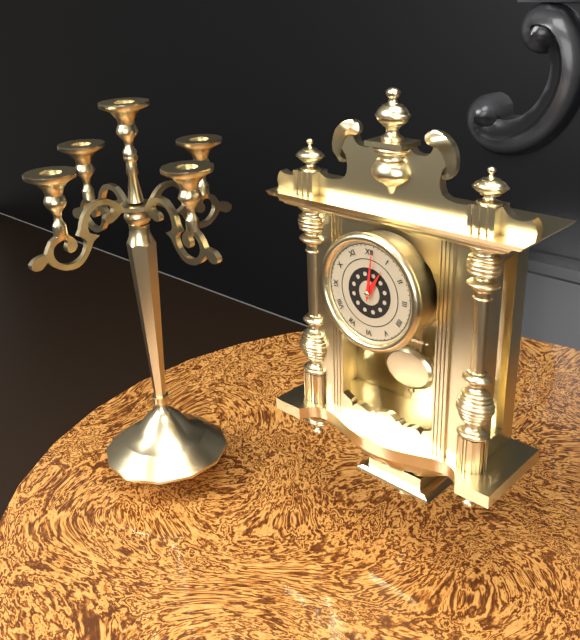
1,01
